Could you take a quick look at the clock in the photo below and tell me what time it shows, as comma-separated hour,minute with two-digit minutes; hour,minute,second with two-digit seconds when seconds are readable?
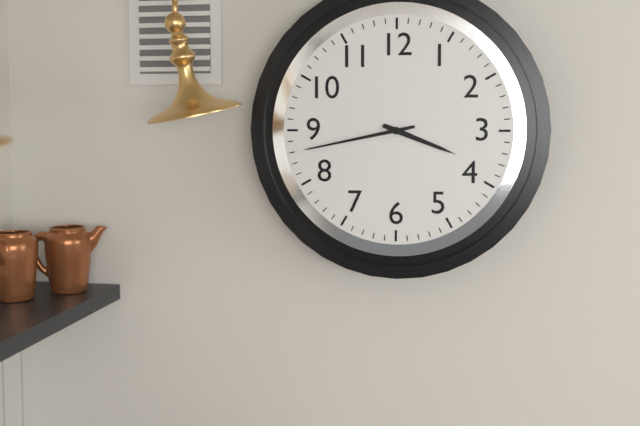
3,43
